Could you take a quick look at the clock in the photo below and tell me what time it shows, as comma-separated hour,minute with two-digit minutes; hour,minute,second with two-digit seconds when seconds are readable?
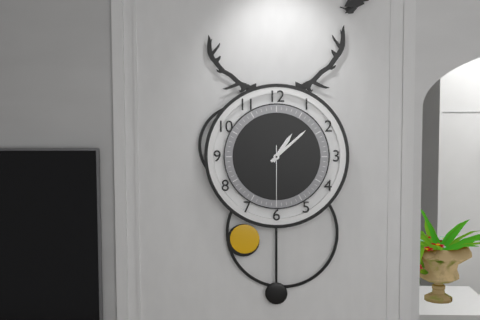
1,08,30
